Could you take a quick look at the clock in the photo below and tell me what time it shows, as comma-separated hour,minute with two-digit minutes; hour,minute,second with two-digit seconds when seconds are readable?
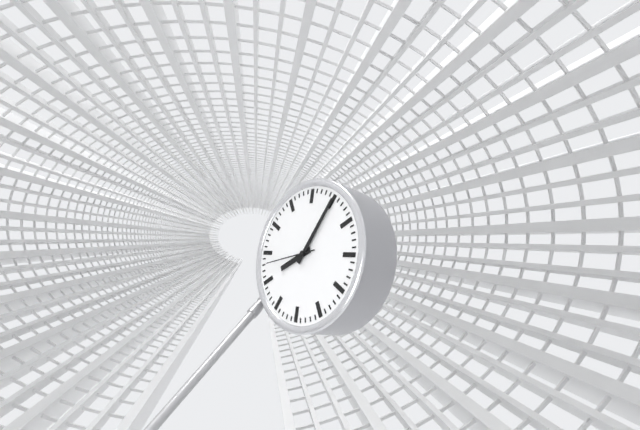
8,05
